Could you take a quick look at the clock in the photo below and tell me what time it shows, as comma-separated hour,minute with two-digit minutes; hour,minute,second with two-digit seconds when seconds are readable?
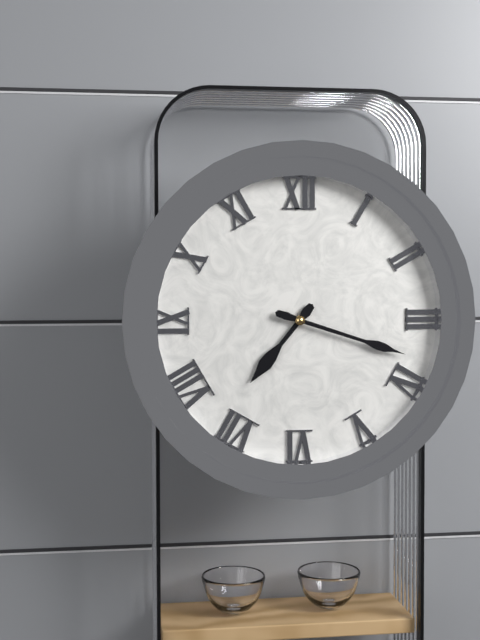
7,18
